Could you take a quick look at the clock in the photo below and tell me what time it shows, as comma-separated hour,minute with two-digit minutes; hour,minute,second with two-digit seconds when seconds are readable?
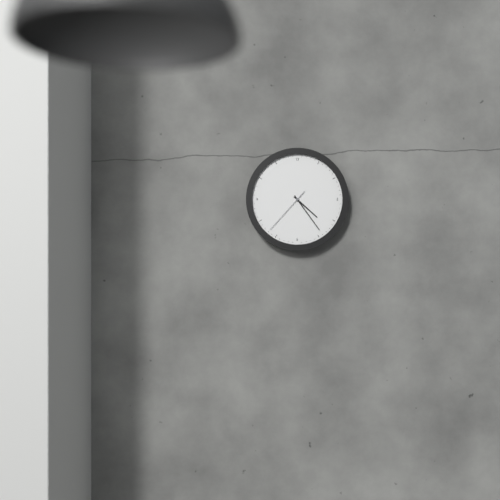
4,24,37
